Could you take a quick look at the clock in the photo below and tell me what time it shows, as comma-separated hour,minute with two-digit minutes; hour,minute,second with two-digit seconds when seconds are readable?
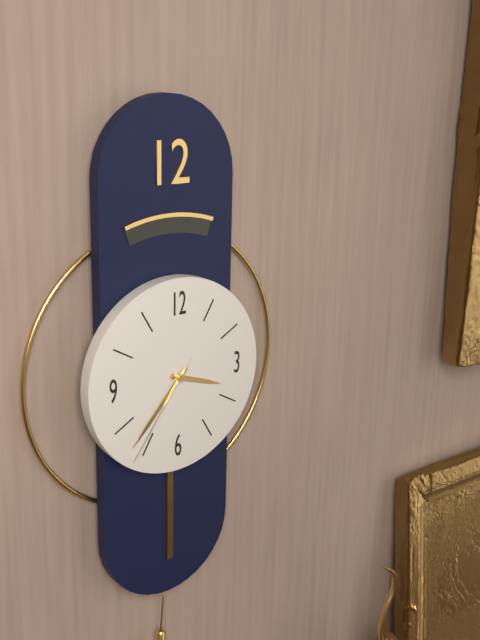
3,37,36
